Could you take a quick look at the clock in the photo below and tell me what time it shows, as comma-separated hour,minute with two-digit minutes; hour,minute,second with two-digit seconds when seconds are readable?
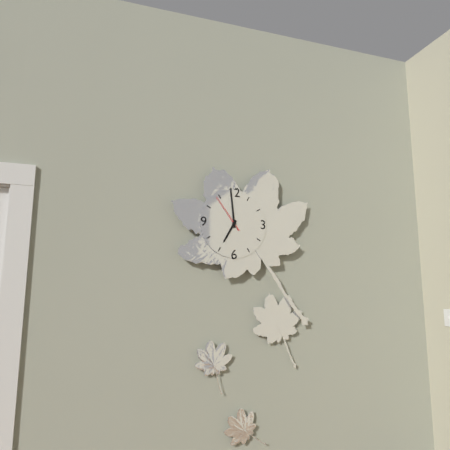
6,59
